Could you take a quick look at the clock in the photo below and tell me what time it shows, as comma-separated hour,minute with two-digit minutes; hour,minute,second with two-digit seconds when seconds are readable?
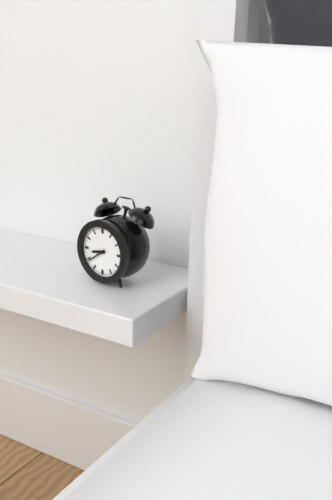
8,39
